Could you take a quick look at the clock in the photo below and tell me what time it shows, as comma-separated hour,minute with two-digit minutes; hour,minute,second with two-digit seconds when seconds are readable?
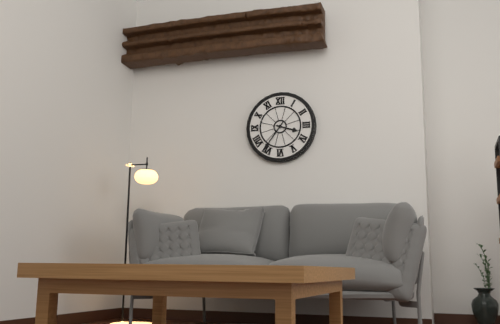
3,36
